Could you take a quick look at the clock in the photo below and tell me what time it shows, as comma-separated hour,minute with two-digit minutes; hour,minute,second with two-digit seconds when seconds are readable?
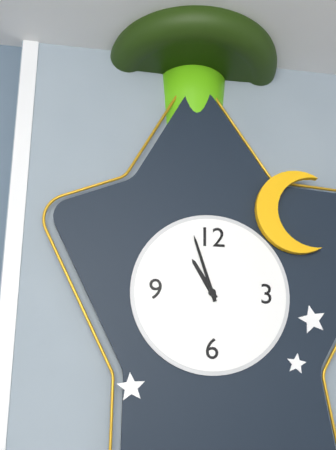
10,57
